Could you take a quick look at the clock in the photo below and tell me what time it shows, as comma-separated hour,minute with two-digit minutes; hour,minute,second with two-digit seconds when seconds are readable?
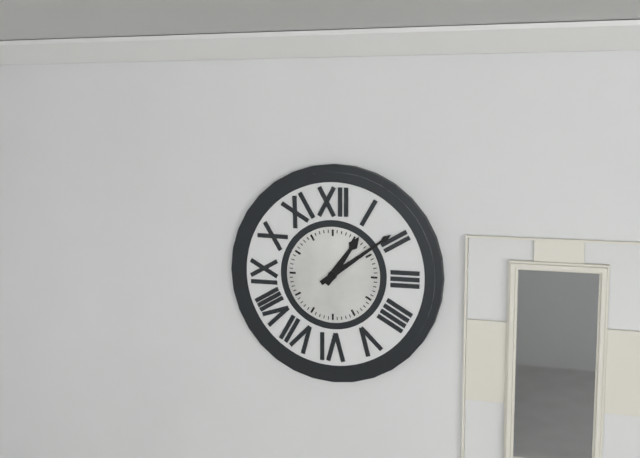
1,09
